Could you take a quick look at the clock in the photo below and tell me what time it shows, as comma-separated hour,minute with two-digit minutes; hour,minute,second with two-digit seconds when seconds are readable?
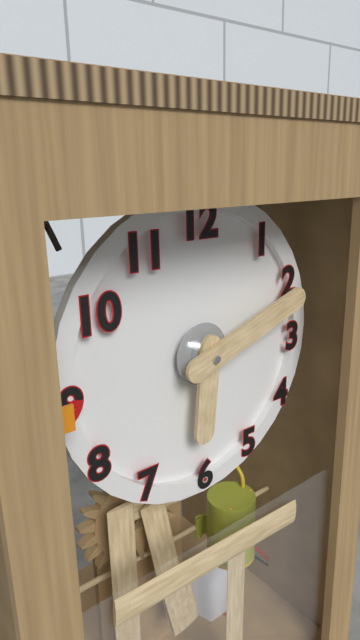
6,12
